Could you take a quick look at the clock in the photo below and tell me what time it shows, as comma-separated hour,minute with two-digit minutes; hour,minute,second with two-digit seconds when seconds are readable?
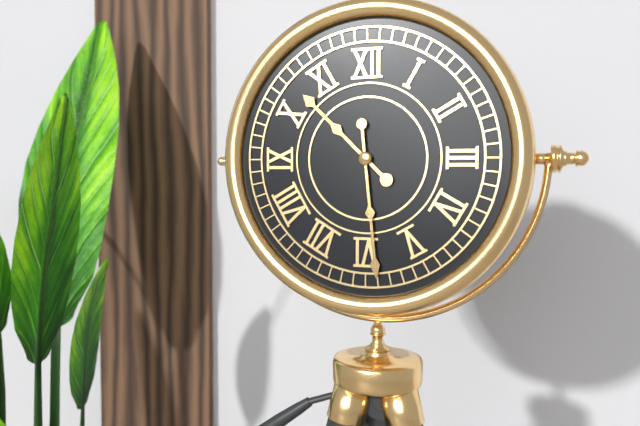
10,29
